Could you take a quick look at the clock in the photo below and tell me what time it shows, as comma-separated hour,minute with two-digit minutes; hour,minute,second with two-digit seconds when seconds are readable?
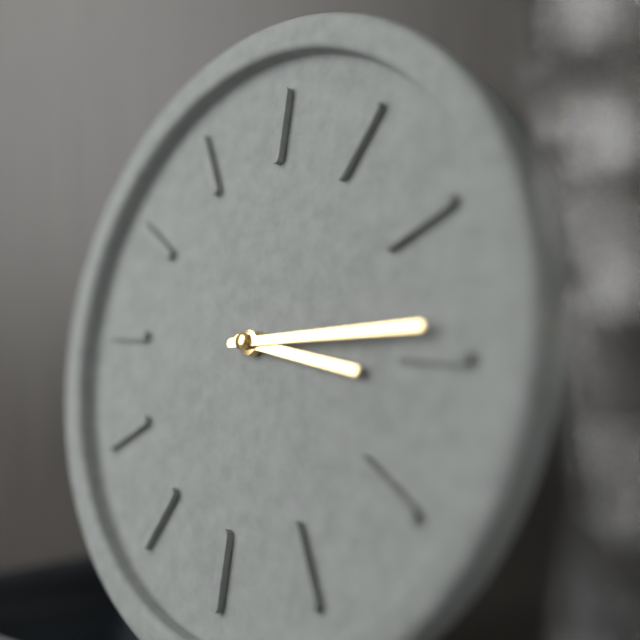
3,14
